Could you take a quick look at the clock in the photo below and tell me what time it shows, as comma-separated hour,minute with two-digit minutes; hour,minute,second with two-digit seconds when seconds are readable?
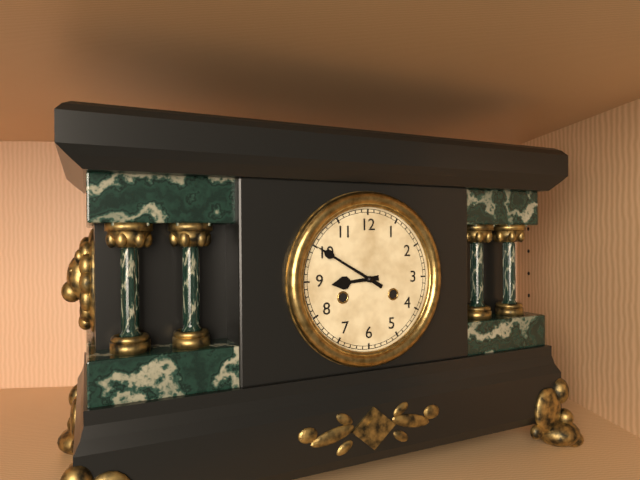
8,50
